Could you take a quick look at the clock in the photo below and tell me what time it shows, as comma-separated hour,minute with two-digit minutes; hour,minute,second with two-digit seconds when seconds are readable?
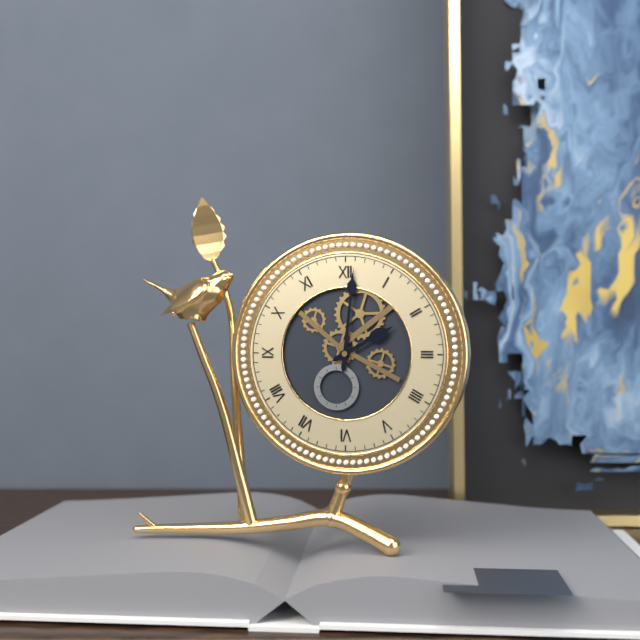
2,01
